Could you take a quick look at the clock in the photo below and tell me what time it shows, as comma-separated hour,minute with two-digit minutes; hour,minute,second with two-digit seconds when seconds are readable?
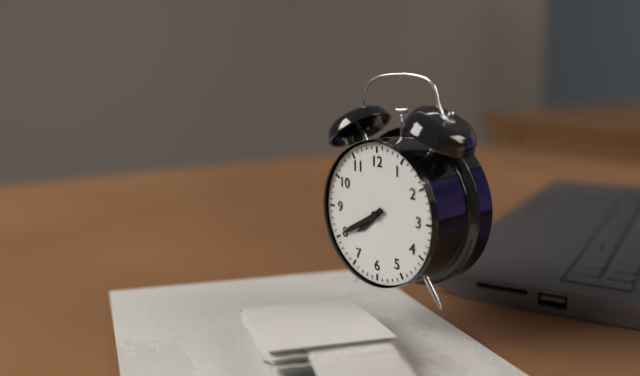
7,40
